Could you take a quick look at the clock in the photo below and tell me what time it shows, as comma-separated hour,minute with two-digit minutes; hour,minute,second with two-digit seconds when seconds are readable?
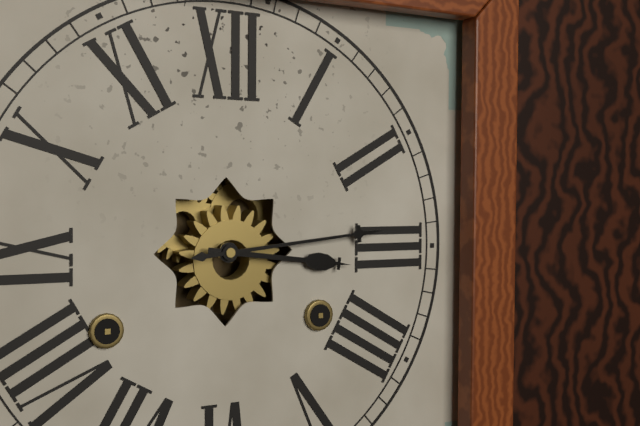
3,14
